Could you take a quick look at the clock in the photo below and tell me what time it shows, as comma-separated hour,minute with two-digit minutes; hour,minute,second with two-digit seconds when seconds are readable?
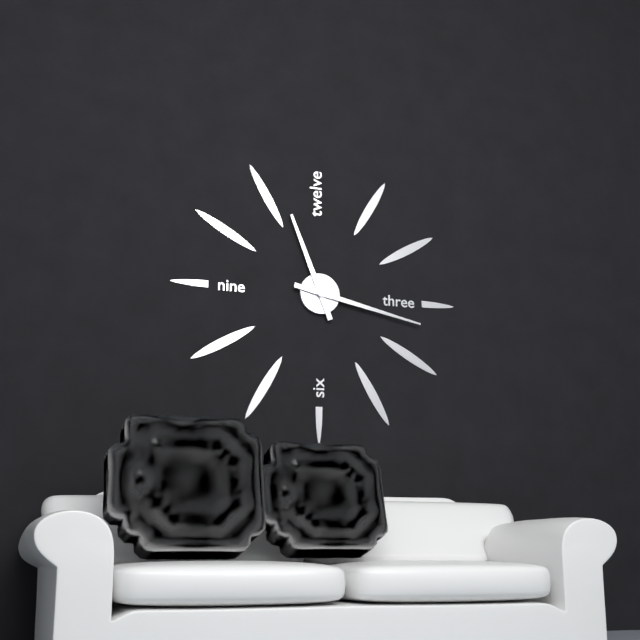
11,17
